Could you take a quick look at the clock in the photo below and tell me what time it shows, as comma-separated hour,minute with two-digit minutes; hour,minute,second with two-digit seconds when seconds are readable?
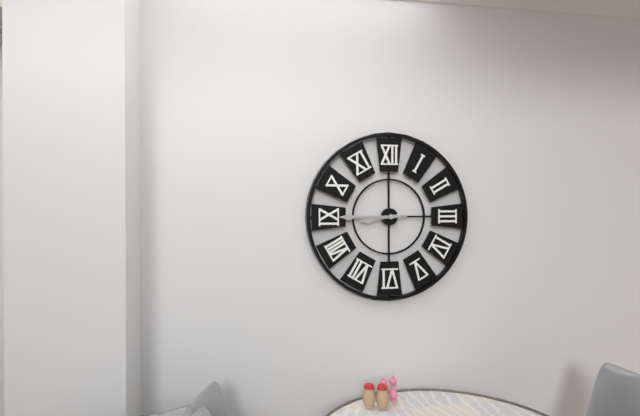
8,45,45
